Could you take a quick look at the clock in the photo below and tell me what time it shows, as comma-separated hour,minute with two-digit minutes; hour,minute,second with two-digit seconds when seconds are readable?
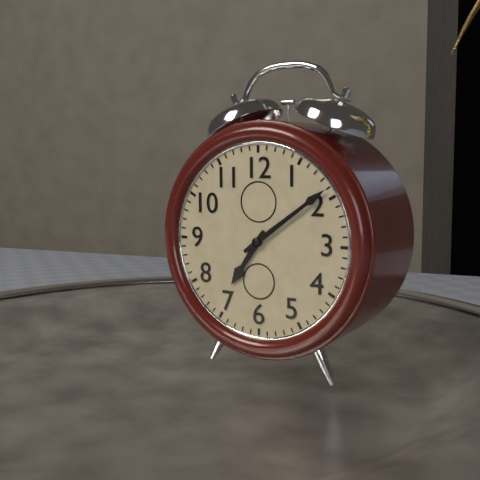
7,09
